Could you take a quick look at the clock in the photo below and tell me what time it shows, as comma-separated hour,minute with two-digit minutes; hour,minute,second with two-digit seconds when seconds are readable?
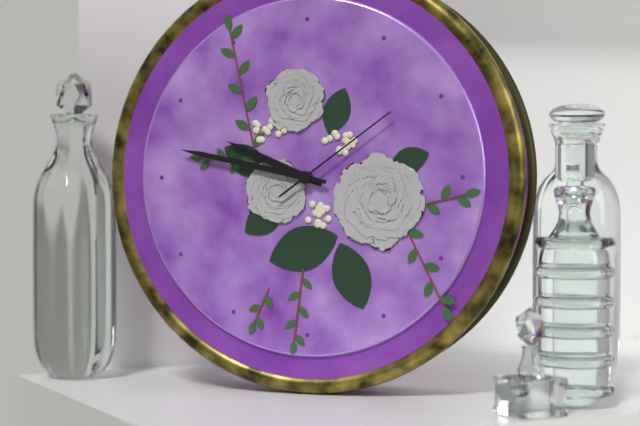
9,47,09
